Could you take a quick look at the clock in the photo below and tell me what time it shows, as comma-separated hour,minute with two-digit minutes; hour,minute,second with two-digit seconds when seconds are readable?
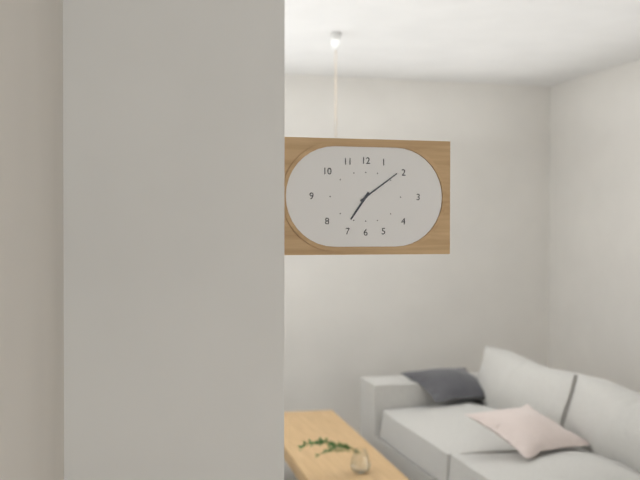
7,09
